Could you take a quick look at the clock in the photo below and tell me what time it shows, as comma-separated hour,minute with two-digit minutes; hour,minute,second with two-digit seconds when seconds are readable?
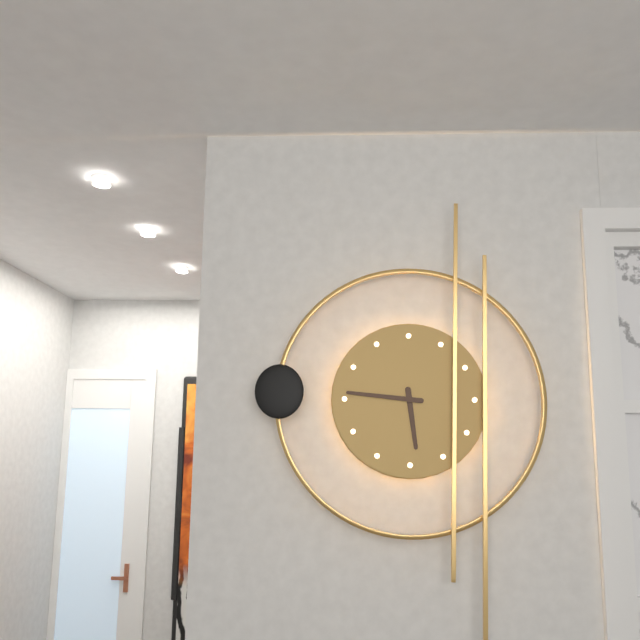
5,46
